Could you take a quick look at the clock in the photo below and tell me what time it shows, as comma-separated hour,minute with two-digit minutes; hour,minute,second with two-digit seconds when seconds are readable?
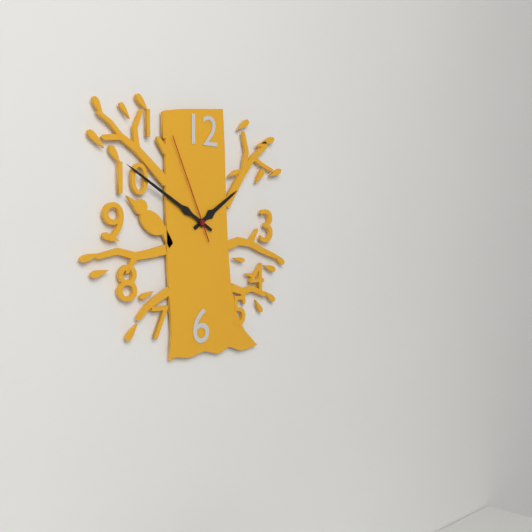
1,50,56
